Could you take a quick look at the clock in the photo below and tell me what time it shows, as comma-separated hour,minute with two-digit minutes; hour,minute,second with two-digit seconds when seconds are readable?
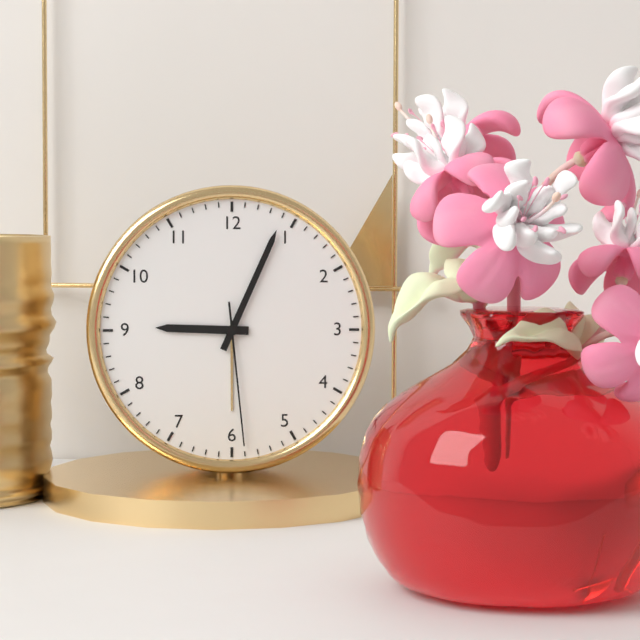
9,04,29
